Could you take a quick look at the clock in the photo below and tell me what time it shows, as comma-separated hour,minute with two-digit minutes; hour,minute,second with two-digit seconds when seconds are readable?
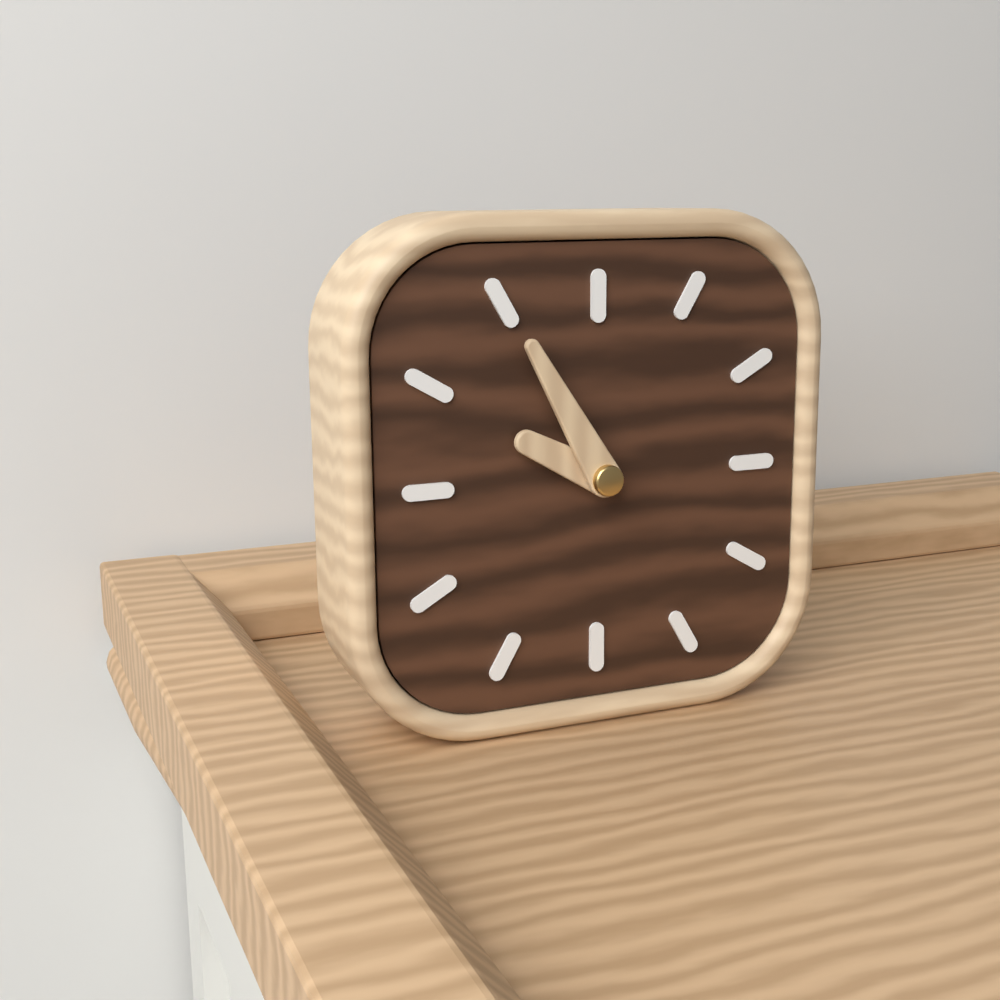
9,55
